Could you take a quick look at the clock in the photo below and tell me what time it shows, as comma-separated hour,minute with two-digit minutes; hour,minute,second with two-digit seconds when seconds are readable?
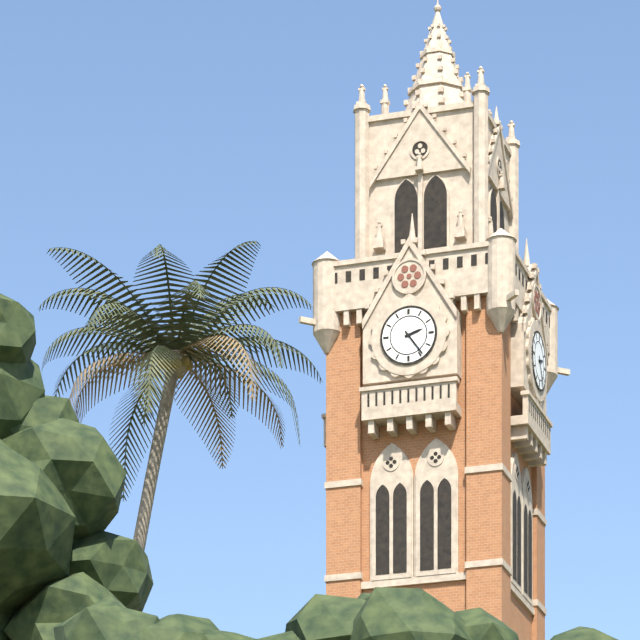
2,24
